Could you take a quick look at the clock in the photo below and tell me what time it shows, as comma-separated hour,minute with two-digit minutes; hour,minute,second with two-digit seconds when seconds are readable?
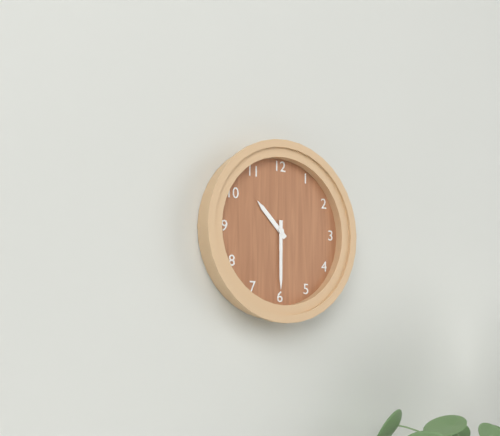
10,30
